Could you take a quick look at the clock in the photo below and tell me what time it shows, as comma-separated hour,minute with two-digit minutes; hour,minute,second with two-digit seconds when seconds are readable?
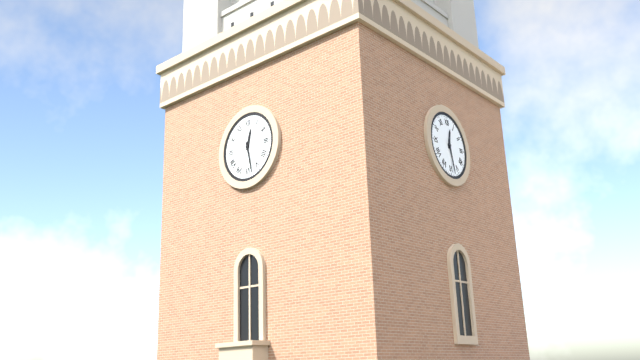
12,28
